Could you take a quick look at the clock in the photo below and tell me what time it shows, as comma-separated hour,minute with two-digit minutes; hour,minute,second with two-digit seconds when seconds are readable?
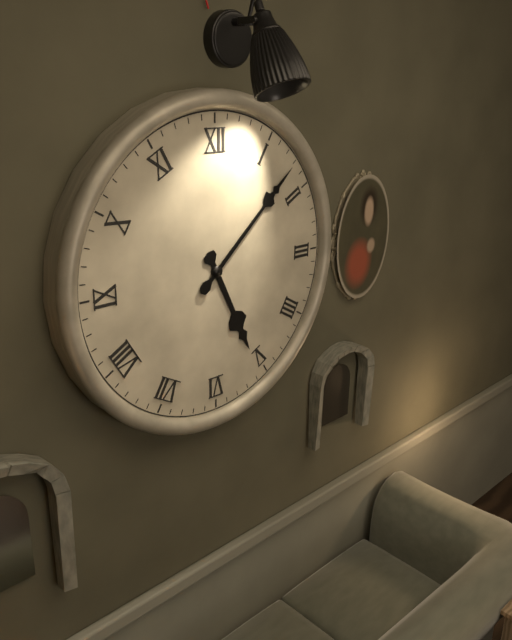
5,08
